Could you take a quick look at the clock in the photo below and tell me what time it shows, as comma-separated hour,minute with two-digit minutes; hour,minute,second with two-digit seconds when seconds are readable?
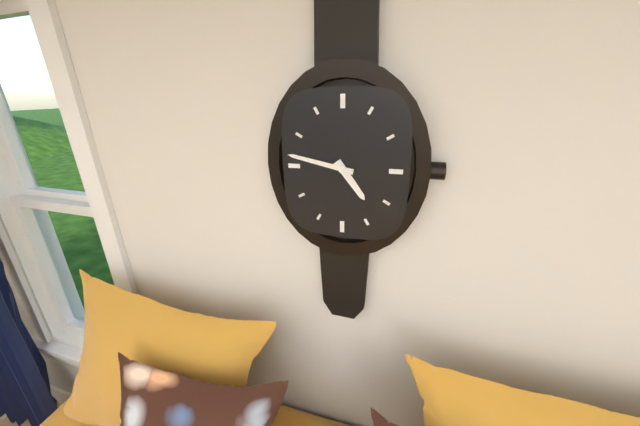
4,47
